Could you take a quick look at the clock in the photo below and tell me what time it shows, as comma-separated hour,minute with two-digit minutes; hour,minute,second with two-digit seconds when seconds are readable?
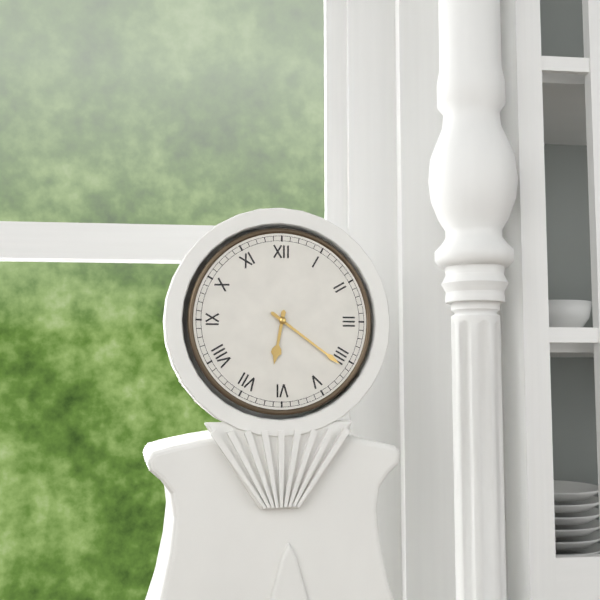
6,21
